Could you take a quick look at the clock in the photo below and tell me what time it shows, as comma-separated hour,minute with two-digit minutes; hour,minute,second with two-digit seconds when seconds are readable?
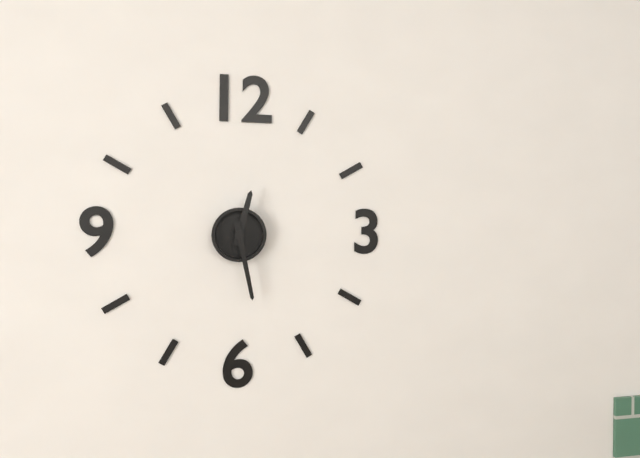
12,28
